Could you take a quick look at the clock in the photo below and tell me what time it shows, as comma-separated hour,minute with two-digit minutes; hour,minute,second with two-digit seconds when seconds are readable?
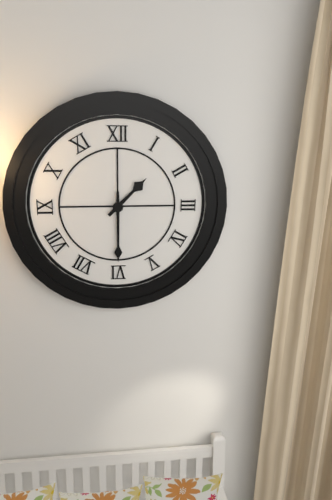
1,30
